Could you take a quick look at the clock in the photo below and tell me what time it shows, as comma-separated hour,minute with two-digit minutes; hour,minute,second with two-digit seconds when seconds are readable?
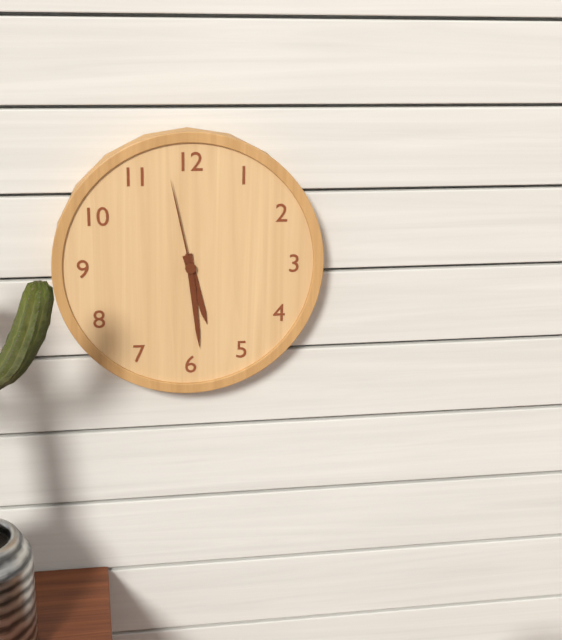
5,29,58
